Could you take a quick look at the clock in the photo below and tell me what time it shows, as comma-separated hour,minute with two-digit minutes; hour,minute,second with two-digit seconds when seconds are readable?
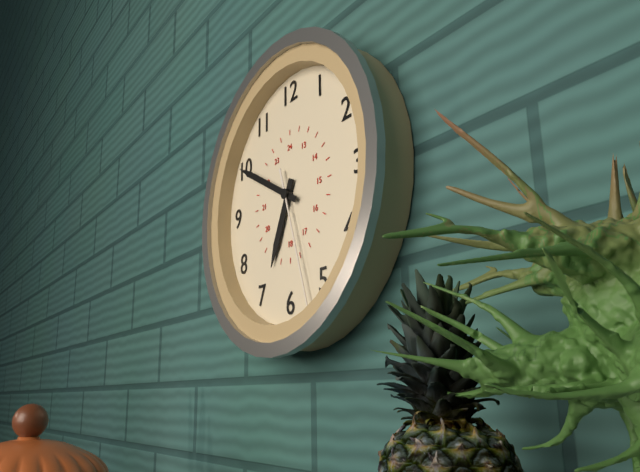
6,50,27
